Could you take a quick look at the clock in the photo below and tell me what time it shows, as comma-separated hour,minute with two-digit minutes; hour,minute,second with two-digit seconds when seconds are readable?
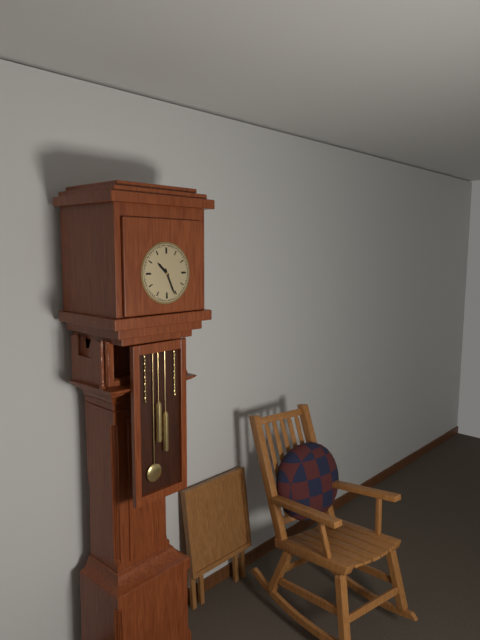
10,26
